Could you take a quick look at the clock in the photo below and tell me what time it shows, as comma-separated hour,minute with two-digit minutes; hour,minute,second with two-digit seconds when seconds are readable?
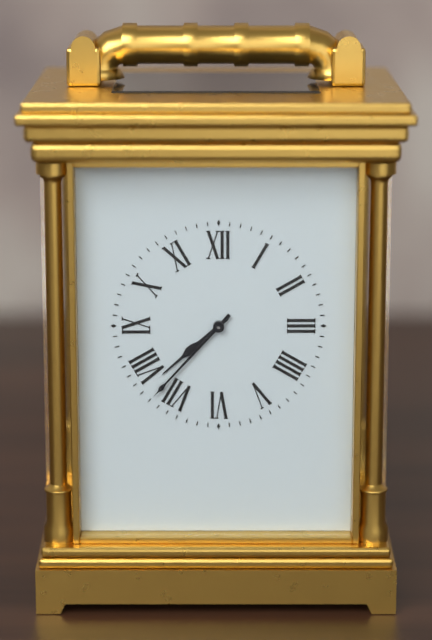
7,37
